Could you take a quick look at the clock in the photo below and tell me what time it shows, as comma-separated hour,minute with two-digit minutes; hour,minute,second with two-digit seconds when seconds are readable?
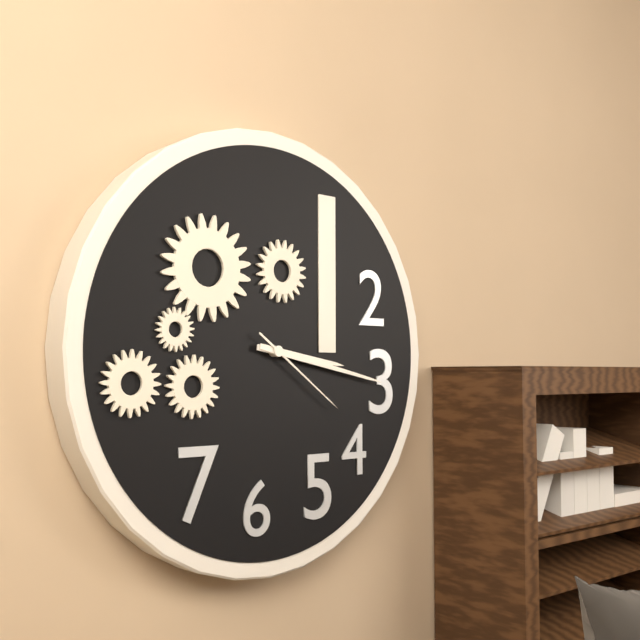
3,17,21
